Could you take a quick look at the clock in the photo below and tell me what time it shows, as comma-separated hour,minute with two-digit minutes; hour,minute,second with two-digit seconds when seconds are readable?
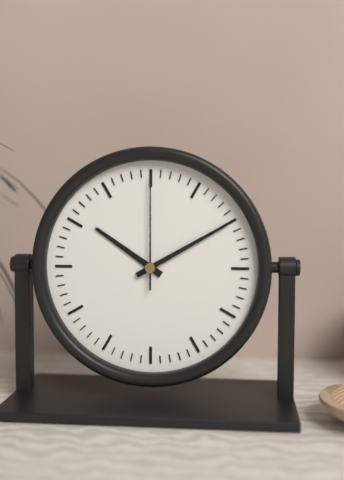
10,10,00
